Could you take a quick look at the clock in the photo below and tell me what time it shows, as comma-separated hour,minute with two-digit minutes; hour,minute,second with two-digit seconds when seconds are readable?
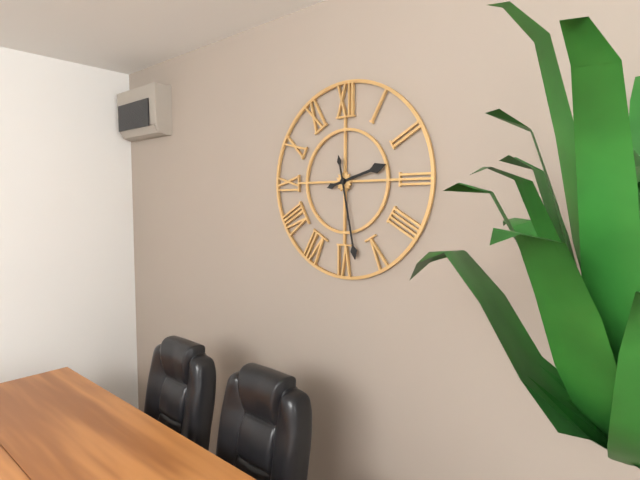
2,28
